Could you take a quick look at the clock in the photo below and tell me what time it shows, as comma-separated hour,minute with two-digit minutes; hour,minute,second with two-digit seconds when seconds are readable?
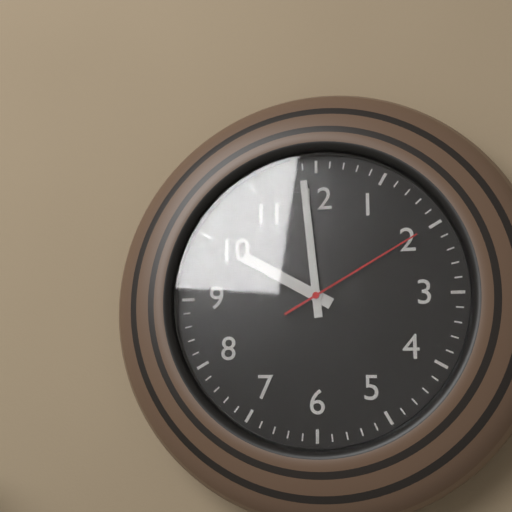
9,59,10
